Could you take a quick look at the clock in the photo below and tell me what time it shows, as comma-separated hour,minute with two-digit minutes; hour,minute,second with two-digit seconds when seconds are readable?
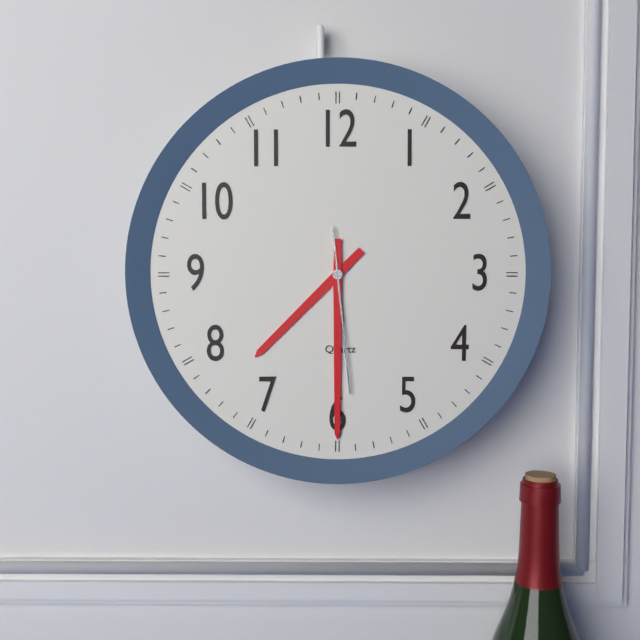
7,30,29
